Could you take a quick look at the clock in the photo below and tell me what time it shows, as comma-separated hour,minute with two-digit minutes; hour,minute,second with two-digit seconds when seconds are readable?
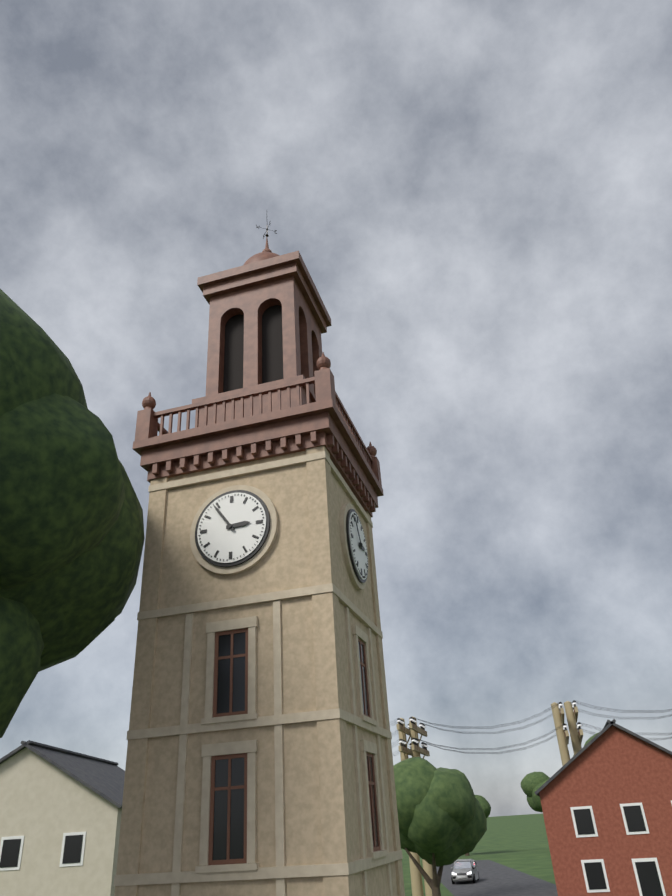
2,54
